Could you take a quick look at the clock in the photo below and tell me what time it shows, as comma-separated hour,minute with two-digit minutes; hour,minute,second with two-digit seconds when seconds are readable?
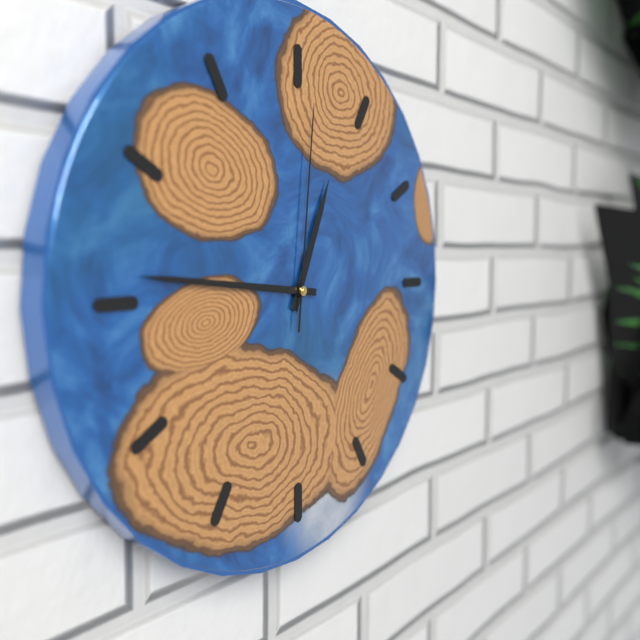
12,46,01
